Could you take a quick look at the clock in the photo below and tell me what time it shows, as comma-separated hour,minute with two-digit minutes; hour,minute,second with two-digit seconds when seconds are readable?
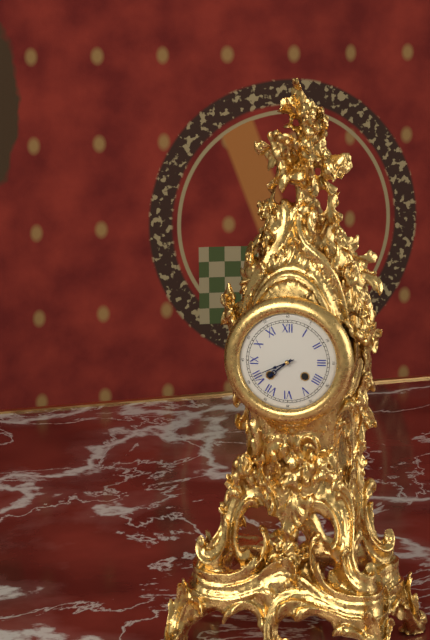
7,41
